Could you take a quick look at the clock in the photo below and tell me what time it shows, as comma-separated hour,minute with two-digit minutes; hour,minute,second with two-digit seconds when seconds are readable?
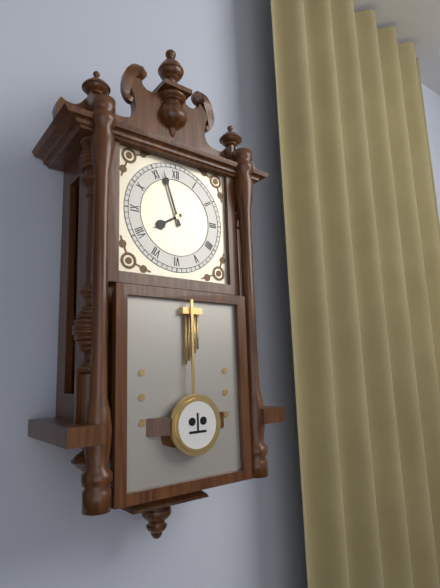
7,57
